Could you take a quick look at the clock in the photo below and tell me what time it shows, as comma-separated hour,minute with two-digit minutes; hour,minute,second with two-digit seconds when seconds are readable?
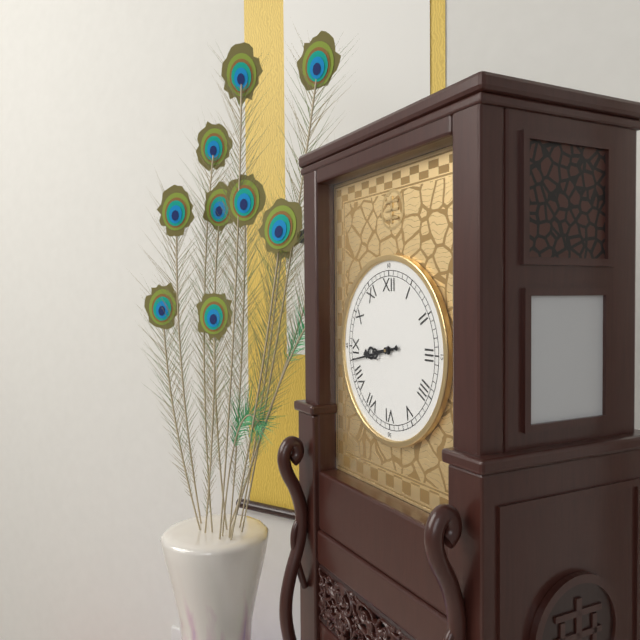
8,43
